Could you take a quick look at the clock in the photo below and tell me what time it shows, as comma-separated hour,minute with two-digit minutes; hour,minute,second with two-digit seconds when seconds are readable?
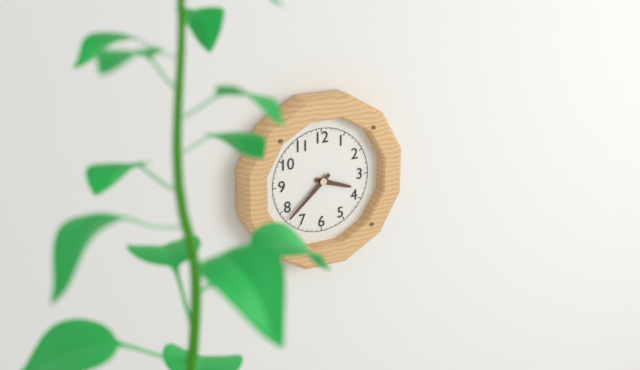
3,38
